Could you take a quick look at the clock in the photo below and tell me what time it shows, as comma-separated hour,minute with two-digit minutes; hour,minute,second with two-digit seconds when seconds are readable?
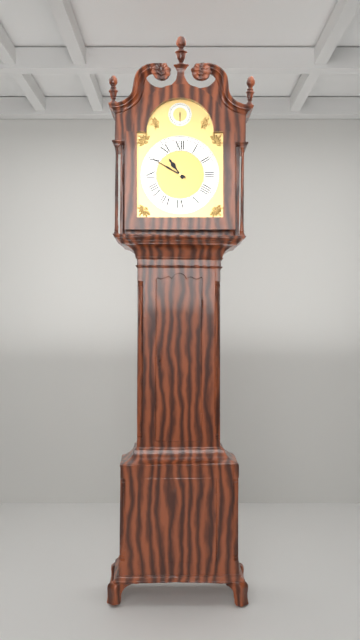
10,50
